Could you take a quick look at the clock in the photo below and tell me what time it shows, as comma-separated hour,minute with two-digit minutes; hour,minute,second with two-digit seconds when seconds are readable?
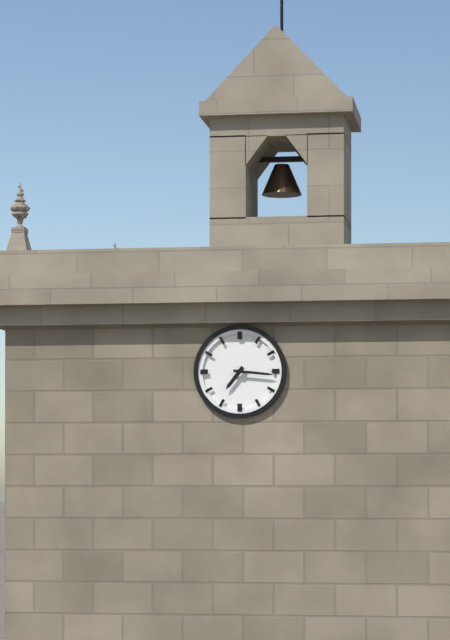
7,16
